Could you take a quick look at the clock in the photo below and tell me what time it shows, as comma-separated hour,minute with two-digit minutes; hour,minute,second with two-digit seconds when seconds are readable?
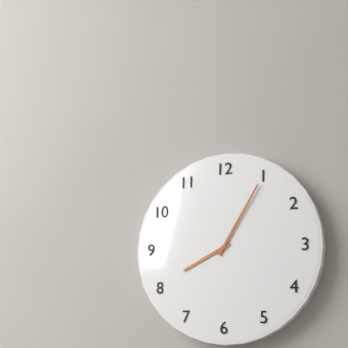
8,05
